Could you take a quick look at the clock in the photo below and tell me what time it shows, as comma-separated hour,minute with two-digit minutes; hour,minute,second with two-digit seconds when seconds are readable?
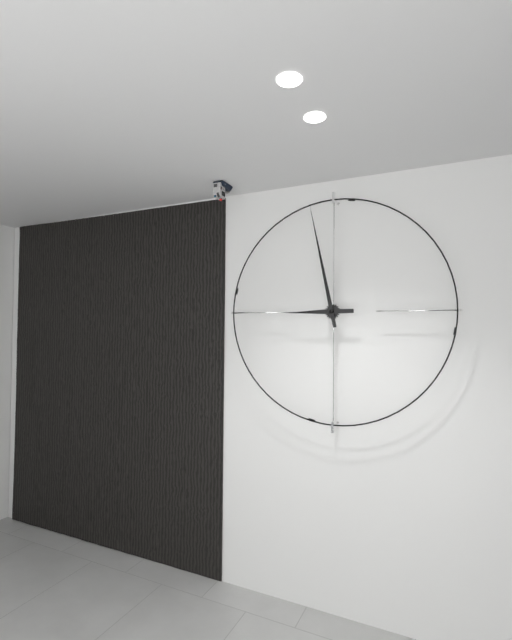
8,58
